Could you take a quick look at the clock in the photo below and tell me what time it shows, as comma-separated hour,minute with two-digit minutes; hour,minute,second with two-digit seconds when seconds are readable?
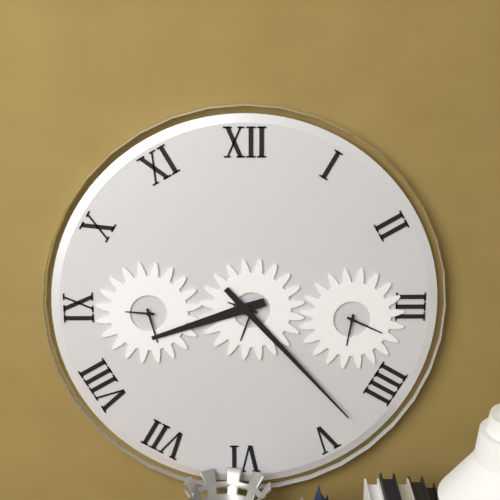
8,23
